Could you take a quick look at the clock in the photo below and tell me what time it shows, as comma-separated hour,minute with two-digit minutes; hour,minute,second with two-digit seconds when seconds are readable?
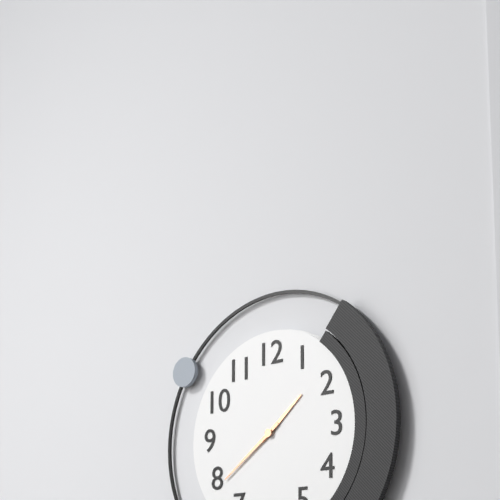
1,39
